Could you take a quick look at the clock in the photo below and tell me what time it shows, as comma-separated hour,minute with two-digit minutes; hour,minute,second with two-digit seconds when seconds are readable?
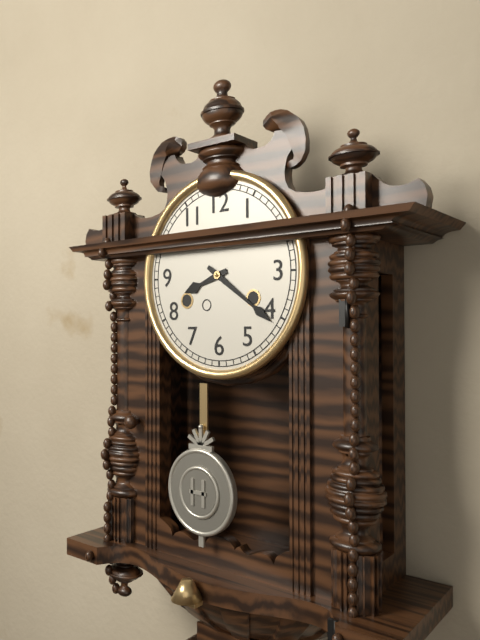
8,21
